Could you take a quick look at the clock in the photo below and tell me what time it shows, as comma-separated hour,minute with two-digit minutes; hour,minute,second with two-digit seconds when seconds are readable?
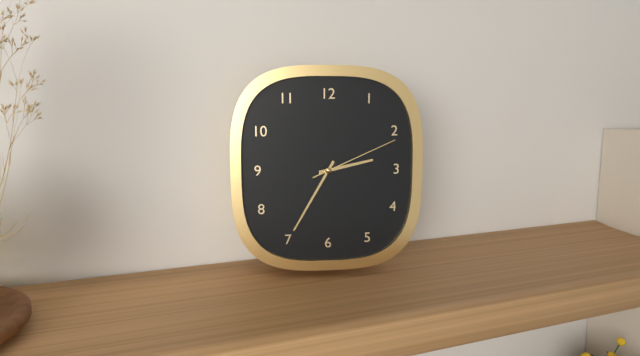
2,35,11
